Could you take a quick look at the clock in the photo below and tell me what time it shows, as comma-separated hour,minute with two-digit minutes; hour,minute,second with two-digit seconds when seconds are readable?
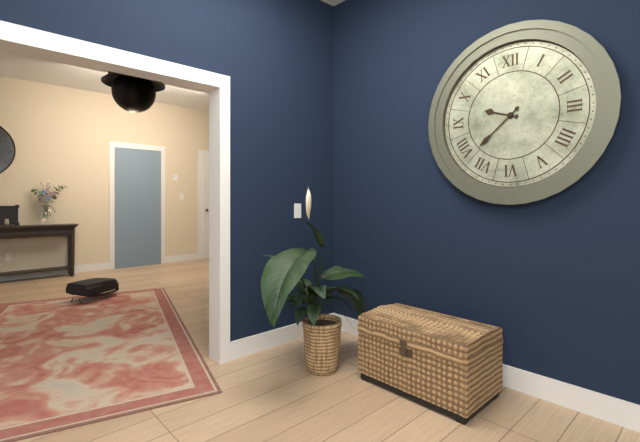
9,38
